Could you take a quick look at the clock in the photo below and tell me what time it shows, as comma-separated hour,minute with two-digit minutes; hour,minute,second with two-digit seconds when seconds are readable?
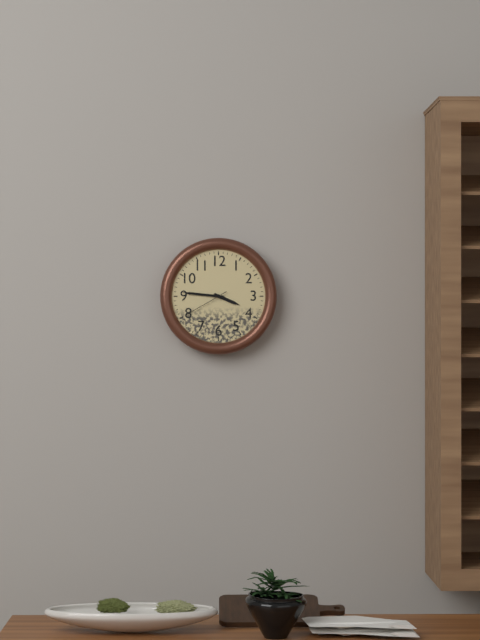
3,46
